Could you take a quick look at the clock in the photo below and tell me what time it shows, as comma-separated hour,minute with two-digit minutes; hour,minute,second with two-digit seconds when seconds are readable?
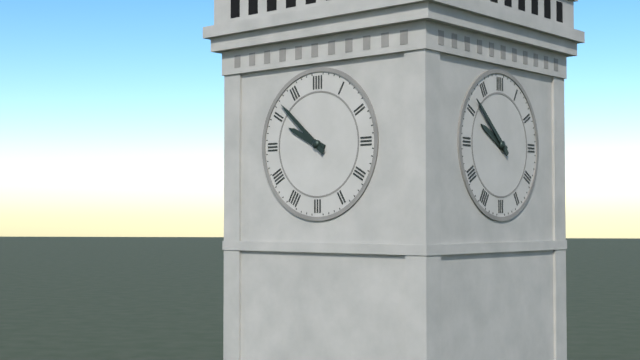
9,52
